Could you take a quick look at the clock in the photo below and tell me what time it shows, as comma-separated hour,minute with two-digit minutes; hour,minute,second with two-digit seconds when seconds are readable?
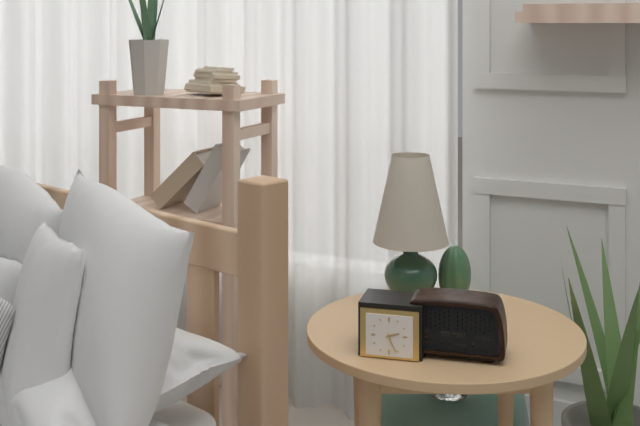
2,26
